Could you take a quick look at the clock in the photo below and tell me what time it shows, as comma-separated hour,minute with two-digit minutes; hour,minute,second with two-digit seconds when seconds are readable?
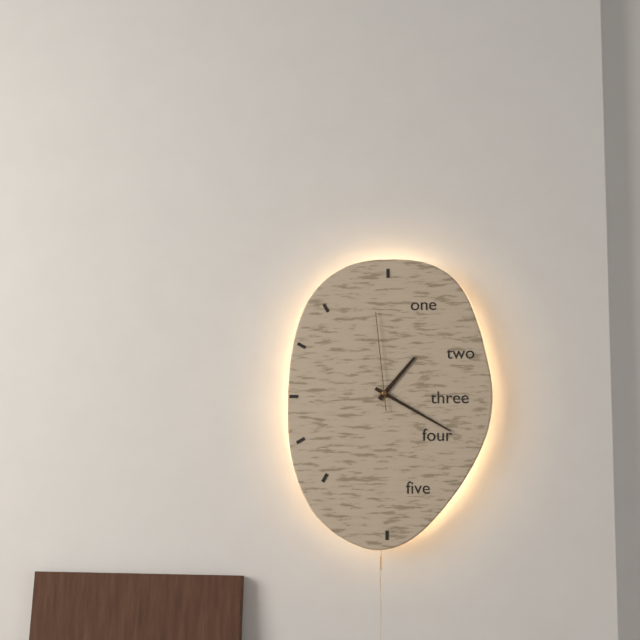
1,20,59
